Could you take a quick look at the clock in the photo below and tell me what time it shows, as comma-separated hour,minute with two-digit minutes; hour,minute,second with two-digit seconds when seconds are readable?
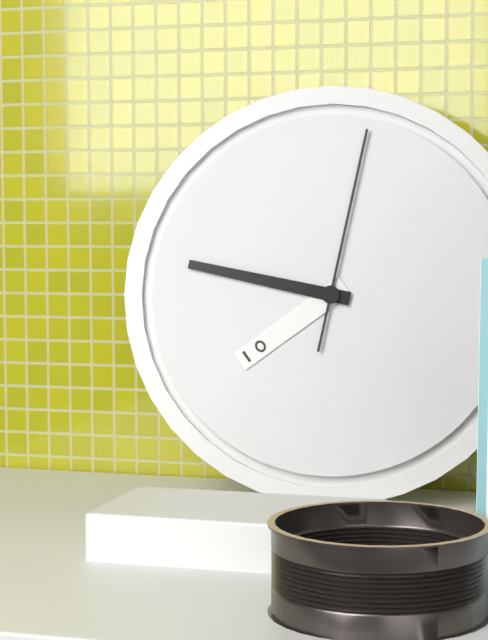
7,47,02
